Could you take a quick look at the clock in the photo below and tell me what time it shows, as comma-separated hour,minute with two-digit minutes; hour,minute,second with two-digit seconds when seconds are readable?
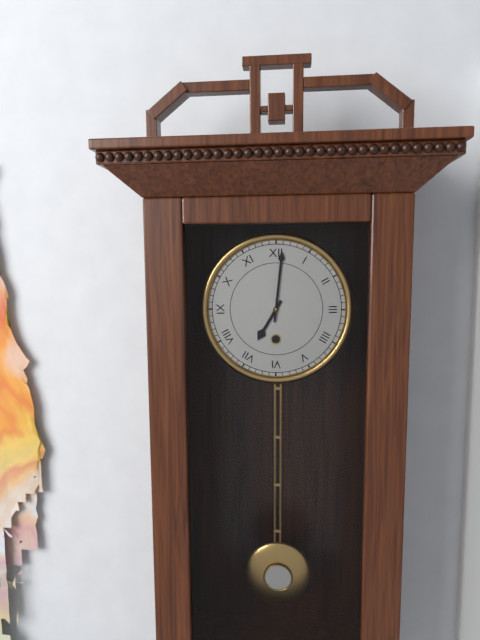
7,01
